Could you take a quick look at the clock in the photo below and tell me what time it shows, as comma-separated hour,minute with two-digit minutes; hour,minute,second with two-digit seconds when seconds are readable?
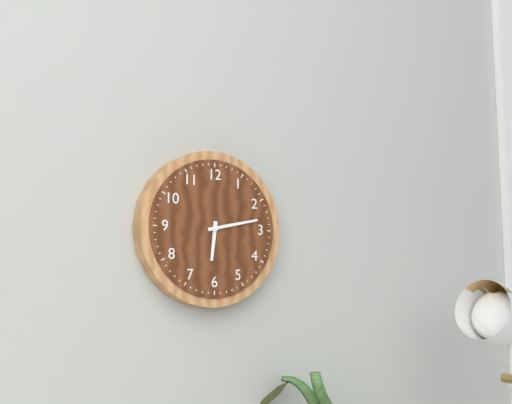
6,13
